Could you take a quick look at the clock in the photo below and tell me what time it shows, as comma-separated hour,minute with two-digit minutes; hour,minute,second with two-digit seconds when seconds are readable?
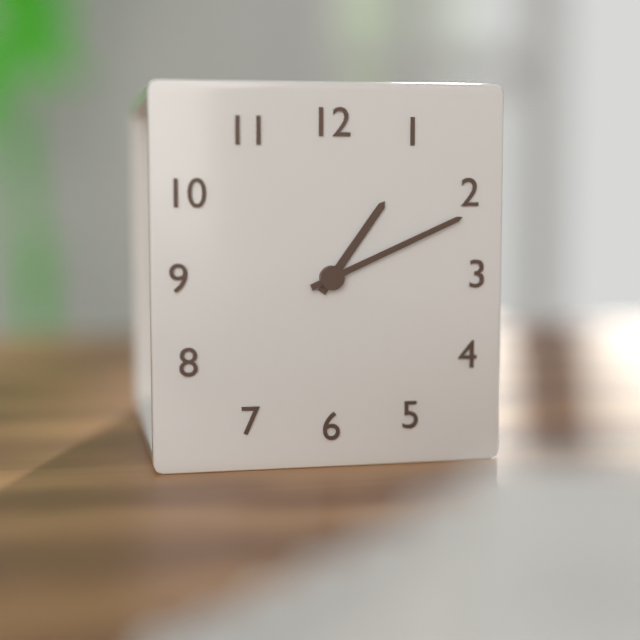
1,11
